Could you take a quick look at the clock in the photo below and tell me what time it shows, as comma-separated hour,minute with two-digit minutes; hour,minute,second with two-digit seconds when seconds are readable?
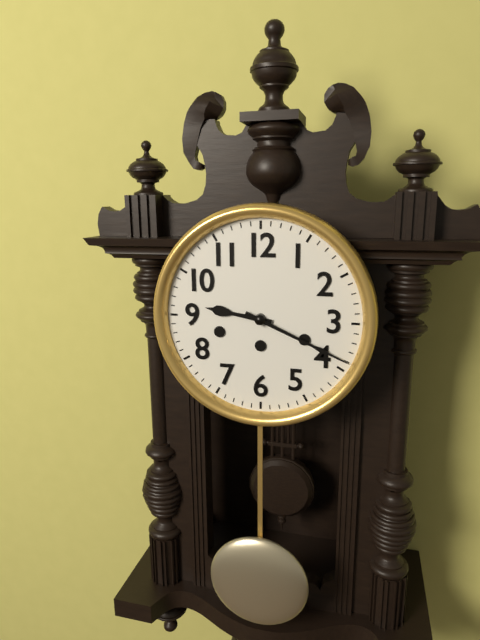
9,19
